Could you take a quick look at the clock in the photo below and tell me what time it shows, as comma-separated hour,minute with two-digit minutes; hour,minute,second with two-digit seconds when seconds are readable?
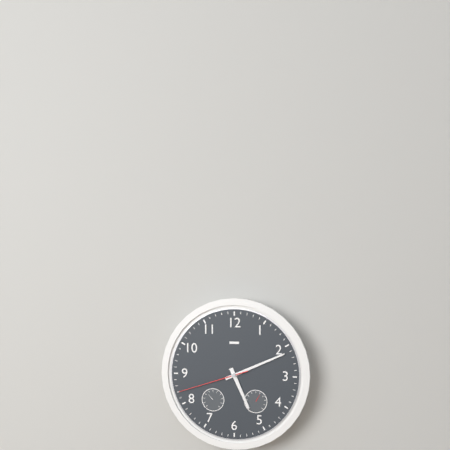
5,11,42
